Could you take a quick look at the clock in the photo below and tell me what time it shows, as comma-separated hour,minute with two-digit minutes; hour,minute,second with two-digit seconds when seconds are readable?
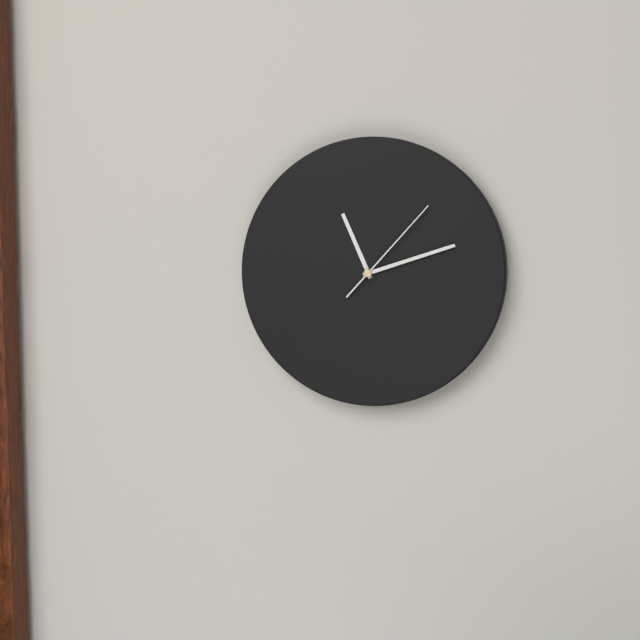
11,12,07
